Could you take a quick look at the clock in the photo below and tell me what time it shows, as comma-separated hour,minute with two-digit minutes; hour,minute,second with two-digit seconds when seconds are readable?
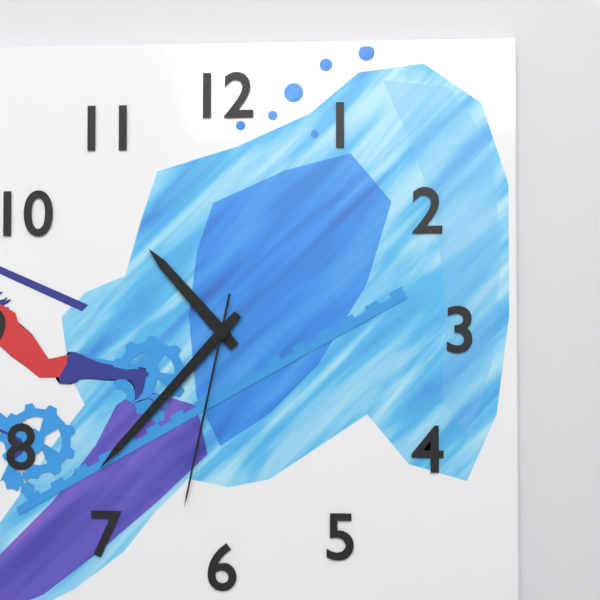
10,37,32
